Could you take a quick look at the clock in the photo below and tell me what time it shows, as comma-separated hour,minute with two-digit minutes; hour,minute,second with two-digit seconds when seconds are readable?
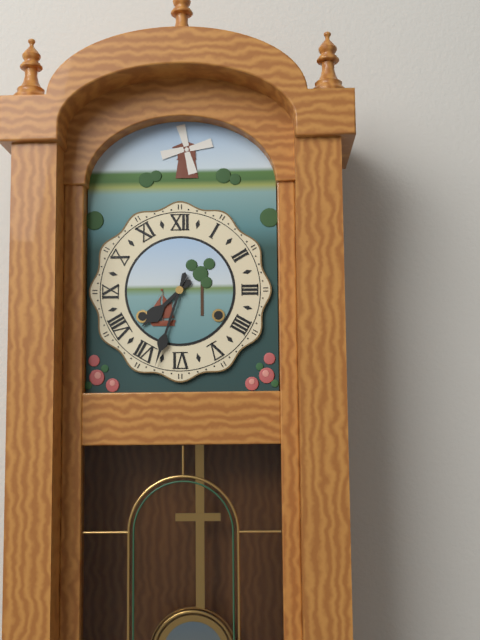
7,33
